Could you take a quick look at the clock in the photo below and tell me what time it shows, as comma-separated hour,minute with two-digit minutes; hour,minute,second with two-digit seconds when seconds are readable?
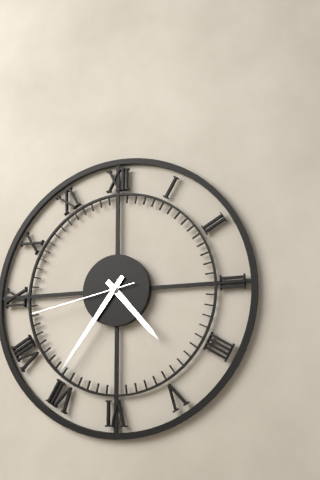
4,36,43
